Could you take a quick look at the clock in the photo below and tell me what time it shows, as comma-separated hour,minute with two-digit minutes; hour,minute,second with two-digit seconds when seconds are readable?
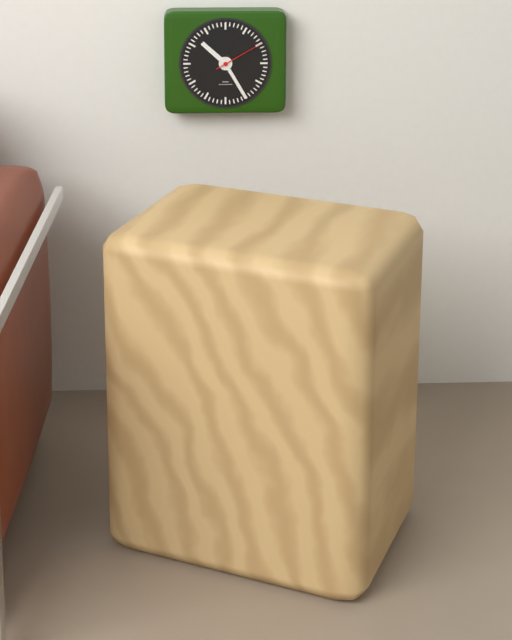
10,25,10
